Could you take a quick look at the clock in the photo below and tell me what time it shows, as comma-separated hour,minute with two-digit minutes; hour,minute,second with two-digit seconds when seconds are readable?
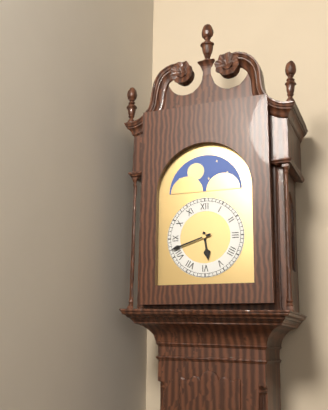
5,42
